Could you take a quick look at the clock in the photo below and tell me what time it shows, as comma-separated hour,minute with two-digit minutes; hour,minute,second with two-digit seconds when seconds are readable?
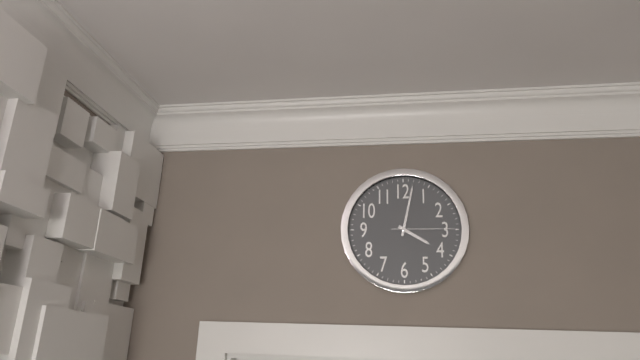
4,02,15
